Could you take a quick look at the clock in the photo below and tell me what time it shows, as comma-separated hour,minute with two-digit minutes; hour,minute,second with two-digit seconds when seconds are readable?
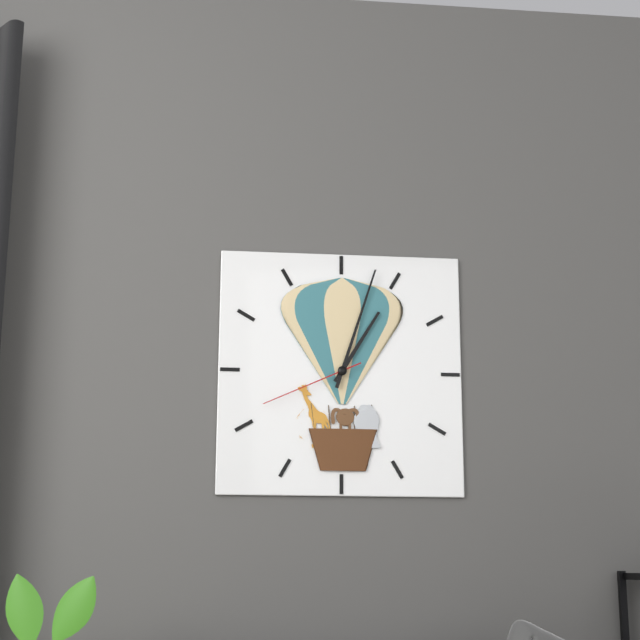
1,03,41
